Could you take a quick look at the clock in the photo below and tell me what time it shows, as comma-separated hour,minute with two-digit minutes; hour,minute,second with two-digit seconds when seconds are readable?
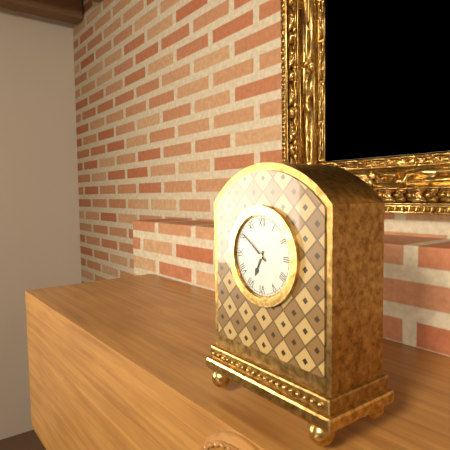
6,51
